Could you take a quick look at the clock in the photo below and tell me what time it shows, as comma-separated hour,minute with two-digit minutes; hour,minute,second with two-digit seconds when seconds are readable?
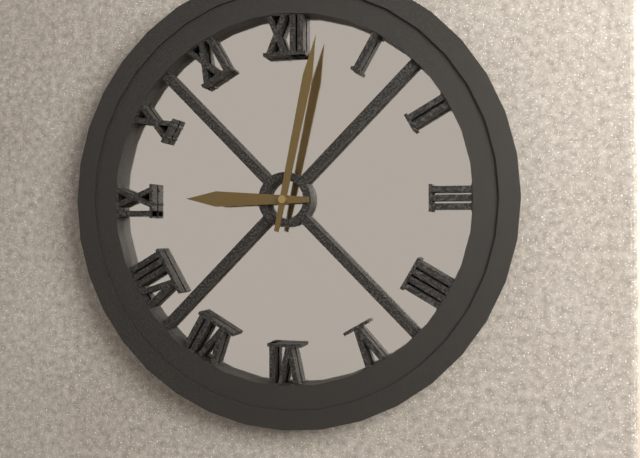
9,02
